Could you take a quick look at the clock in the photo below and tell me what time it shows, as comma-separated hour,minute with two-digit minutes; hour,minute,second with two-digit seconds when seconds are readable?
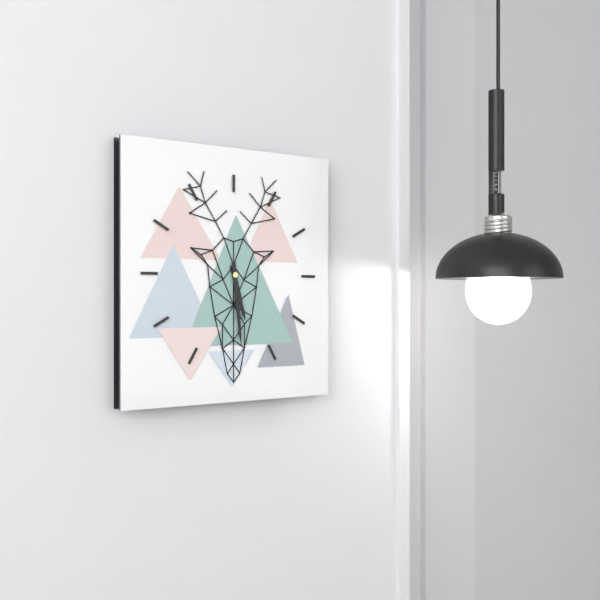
5,29
